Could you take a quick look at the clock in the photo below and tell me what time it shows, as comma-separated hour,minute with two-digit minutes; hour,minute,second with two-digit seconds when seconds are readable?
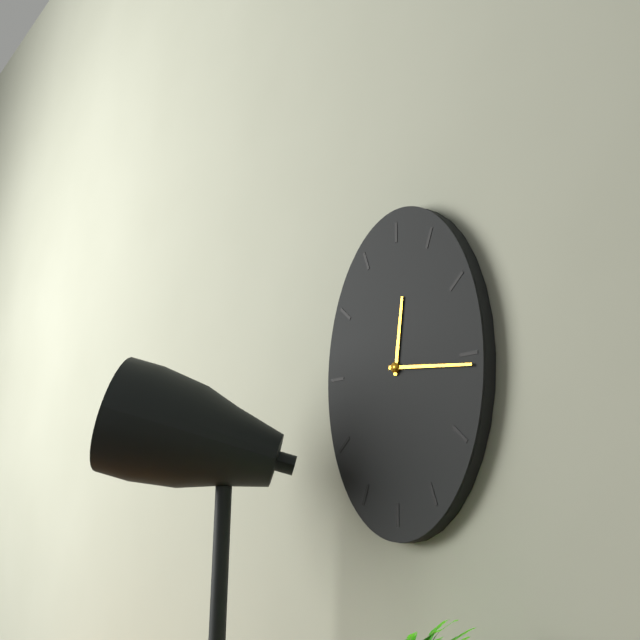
12,16
